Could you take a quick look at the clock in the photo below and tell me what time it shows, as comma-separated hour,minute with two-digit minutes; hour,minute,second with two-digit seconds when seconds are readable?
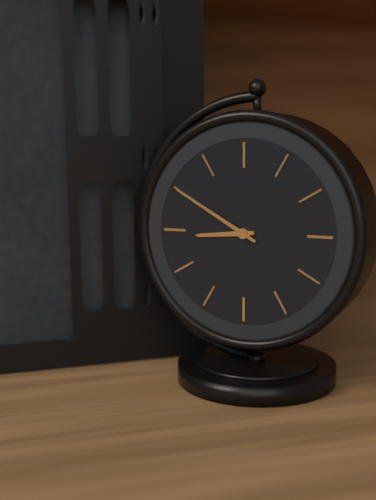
8,50
